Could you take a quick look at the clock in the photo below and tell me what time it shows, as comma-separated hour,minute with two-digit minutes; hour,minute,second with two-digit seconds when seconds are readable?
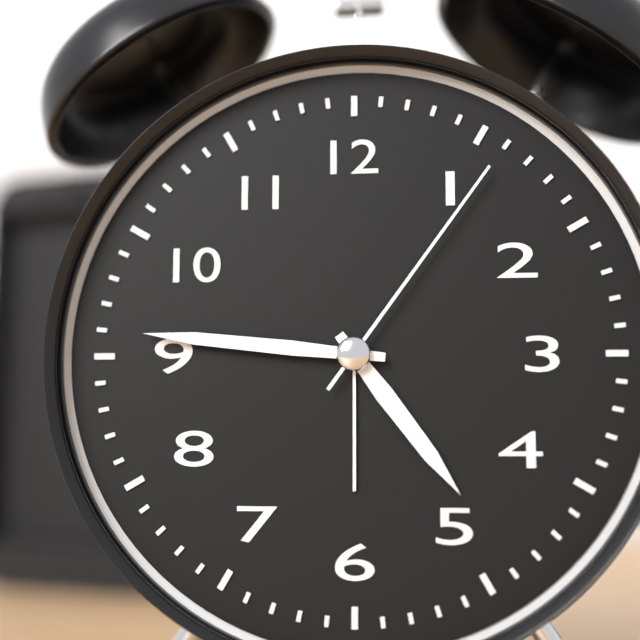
4,46,06
